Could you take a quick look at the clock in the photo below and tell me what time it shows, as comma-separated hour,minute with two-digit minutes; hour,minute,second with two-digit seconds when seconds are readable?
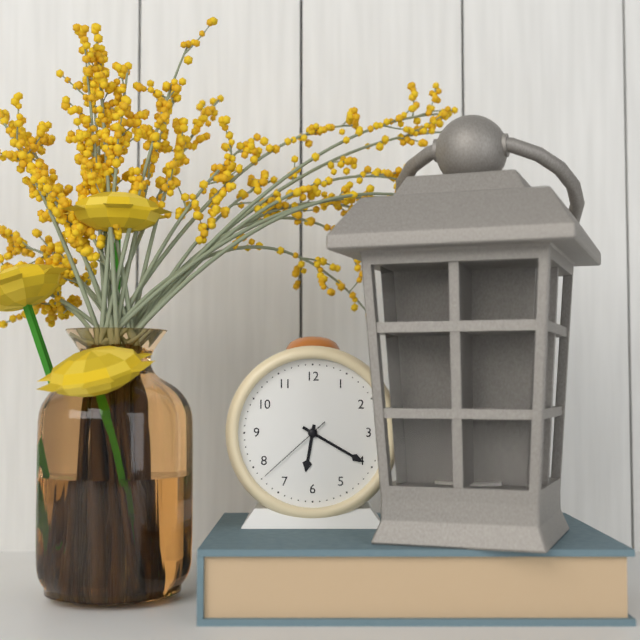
6,20,38
